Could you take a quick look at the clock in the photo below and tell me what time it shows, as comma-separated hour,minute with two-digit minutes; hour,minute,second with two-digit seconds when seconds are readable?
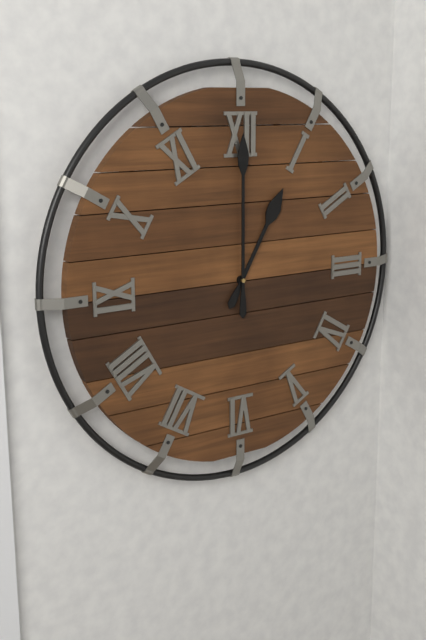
1,00
